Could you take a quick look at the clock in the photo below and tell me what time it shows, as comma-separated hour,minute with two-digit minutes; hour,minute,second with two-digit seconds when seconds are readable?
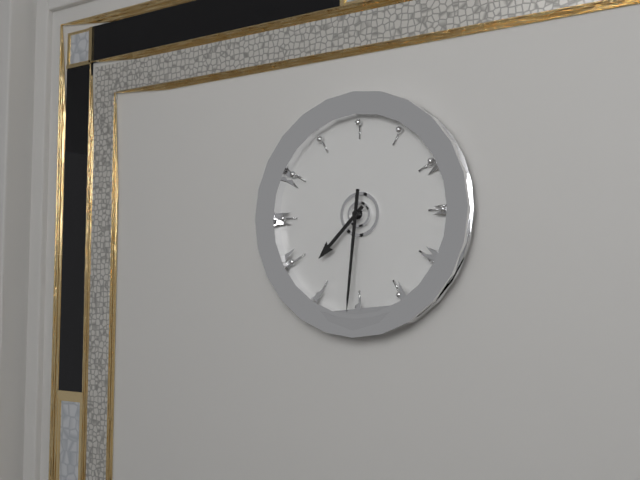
7,31
